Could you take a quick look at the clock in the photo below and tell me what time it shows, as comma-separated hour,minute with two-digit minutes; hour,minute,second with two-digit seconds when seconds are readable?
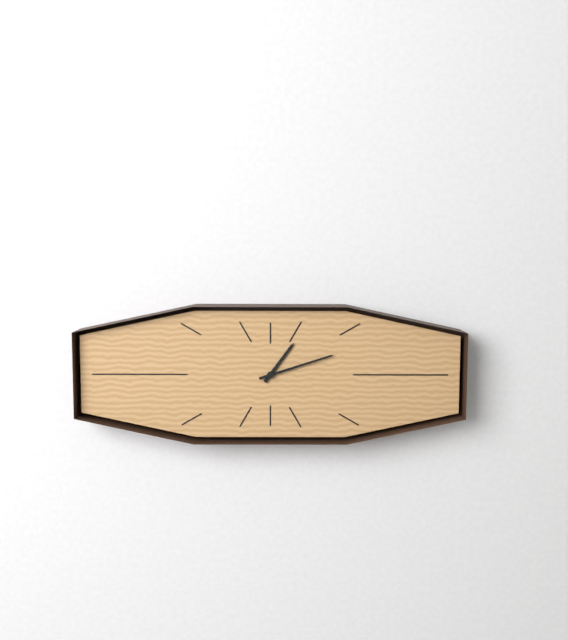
1,12
